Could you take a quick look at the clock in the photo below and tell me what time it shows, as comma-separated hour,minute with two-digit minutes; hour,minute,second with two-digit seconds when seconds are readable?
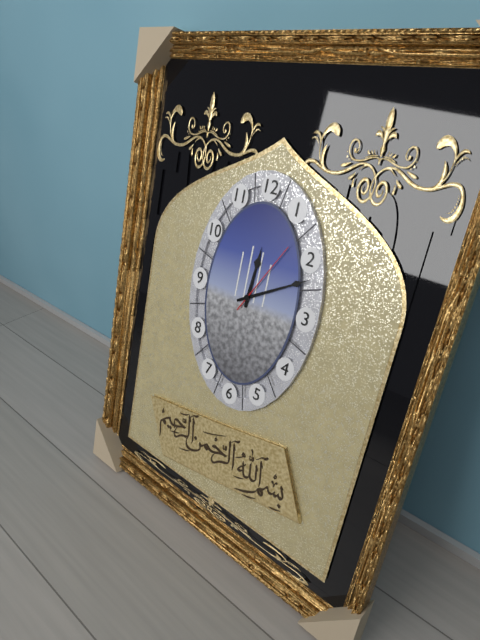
12,10,05
